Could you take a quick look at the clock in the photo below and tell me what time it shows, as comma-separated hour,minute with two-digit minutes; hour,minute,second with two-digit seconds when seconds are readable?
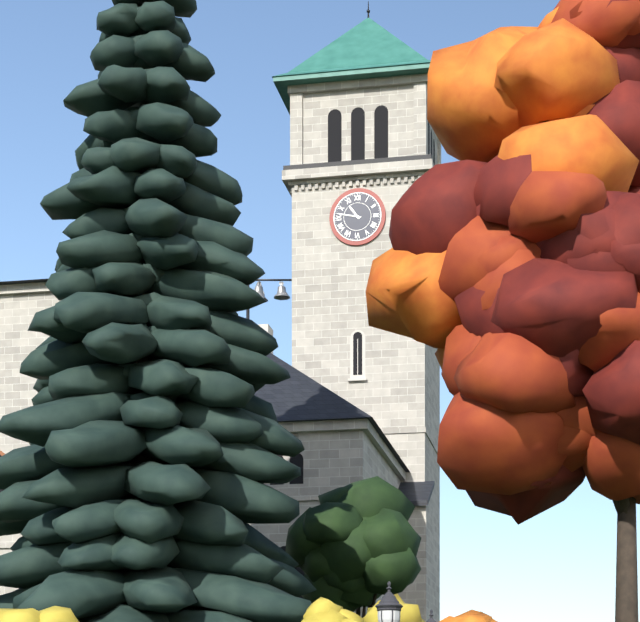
10,47
